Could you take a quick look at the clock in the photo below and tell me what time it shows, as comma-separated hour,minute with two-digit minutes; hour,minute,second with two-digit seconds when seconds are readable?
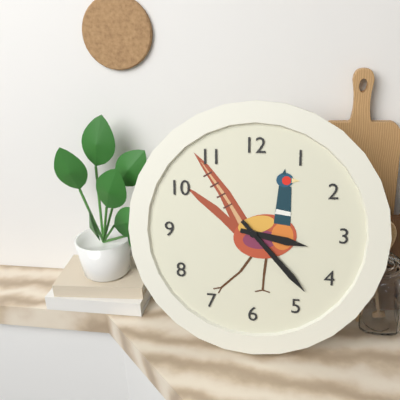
3,23
